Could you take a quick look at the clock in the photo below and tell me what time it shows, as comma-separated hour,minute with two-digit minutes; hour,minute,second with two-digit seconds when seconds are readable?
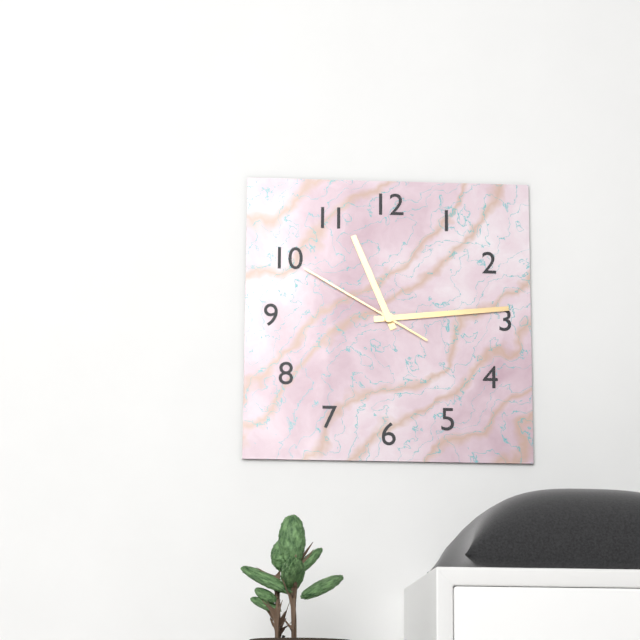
11,14,50
